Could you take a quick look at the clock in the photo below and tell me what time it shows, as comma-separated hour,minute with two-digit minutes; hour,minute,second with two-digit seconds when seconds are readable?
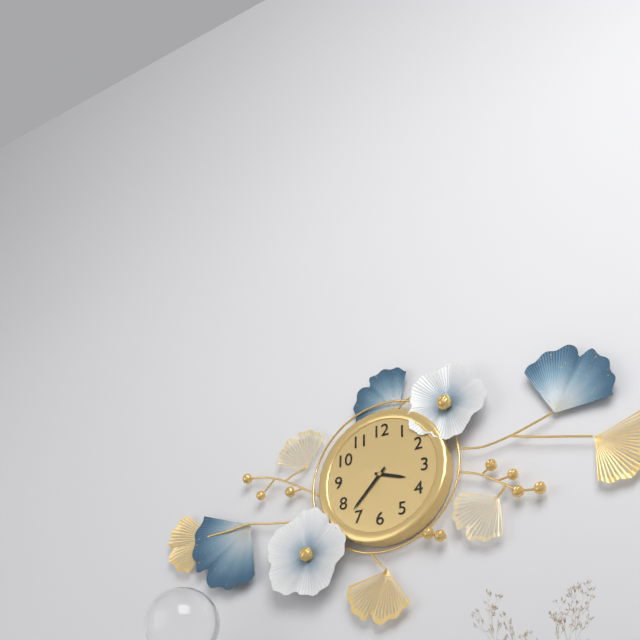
3,37
